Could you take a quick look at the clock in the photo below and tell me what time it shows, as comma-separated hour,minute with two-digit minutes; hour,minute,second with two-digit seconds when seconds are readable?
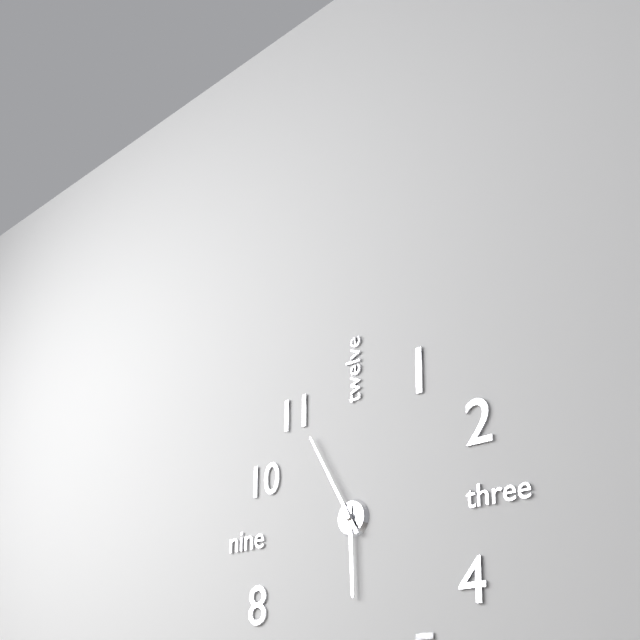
5,55
